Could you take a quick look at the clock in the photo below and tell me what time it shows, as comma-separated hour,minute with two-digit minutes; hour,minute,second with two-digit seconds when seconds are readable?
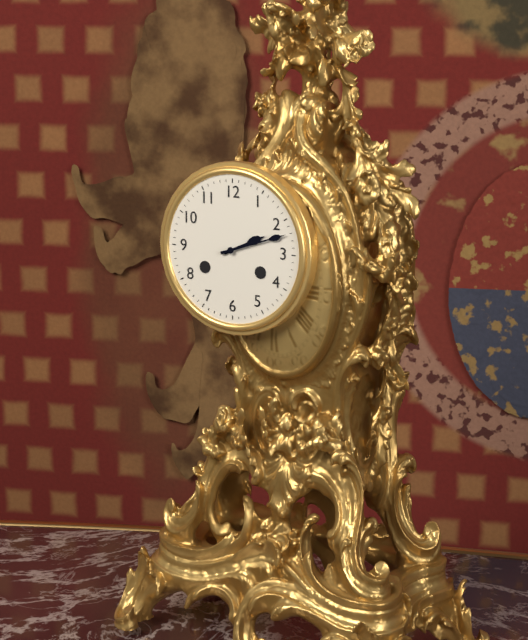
2,12
